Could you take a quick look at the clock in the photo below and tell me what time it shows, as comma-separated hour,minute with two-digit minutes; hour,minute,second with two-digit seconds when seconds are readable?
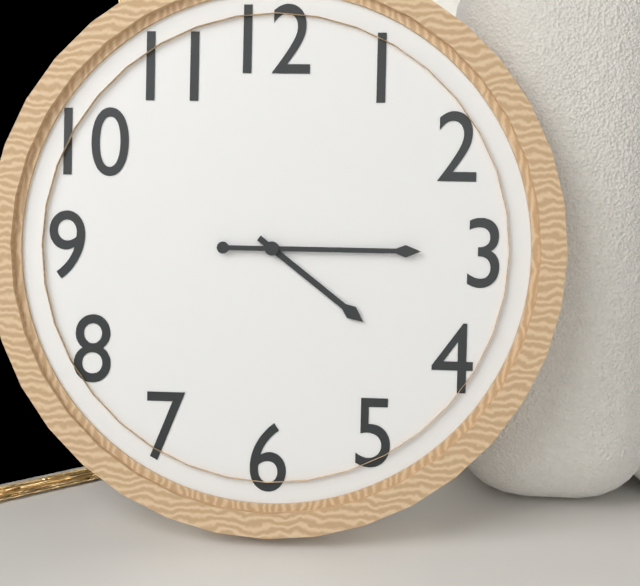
4,15
